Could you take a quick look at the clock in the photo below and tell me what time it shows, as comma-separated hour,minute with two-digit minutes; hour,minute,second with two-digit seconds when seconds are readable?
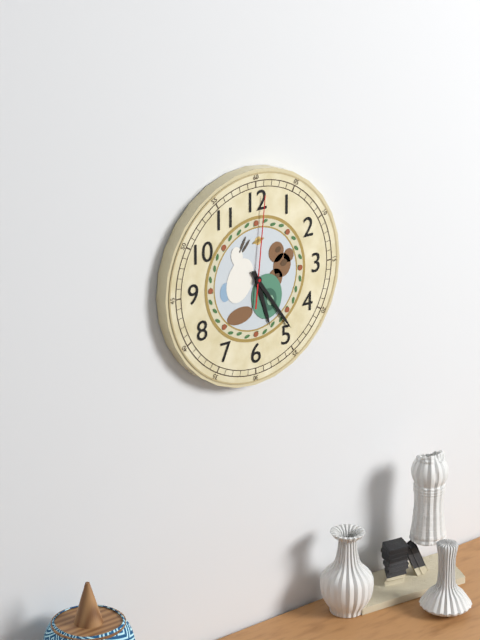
5,24,01
